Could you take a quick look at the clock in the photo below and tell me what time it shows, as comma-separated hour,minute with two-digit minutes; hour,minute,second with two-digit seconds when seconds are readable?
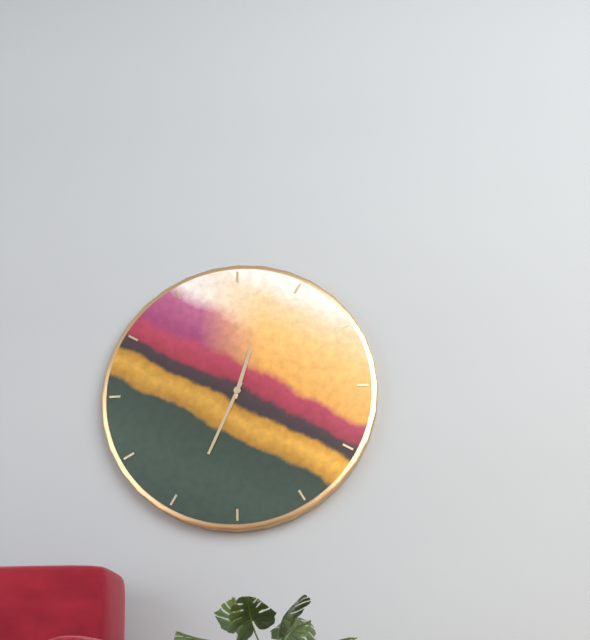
12,34
